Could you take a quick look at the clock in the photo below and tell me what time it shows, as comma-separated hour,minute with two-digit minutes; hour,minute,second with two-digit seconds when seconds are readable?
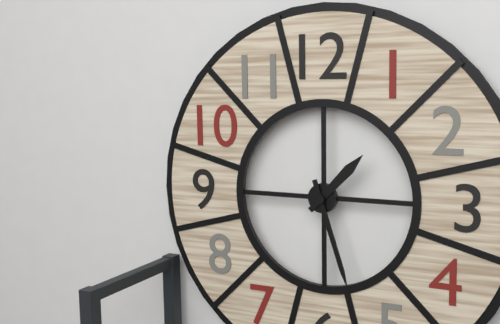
1,27
